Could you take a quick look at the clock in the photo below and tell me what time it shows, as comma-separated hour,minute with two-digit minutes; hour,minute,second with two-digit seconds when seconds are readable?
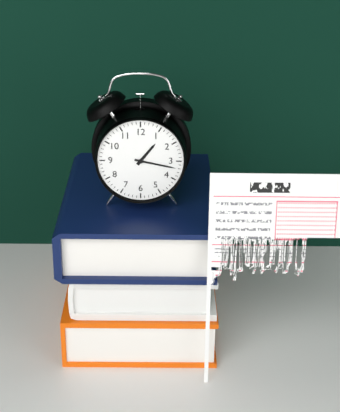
1,17
